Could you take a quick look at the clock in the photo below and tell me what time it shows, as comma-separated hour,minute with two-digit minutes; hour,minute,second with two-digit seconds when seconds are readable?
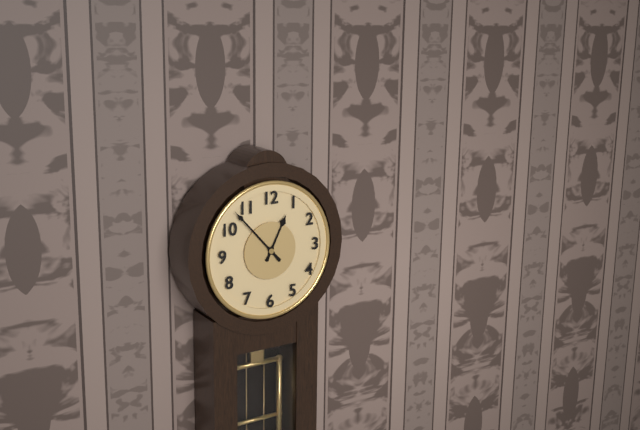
12,53
